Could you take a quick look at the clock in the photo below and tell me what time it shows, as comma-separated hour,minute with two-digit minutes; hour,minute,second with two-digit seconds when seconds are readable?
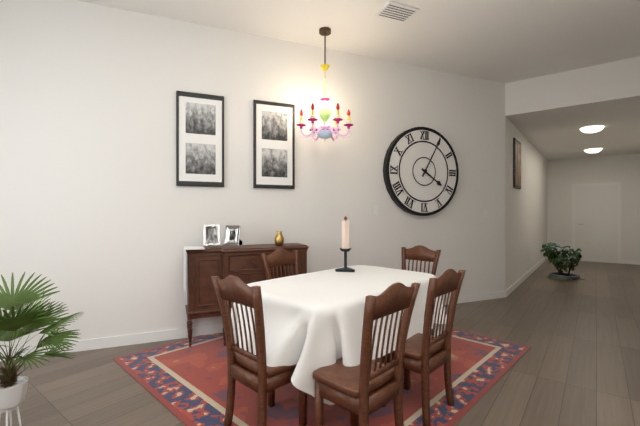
4,05
